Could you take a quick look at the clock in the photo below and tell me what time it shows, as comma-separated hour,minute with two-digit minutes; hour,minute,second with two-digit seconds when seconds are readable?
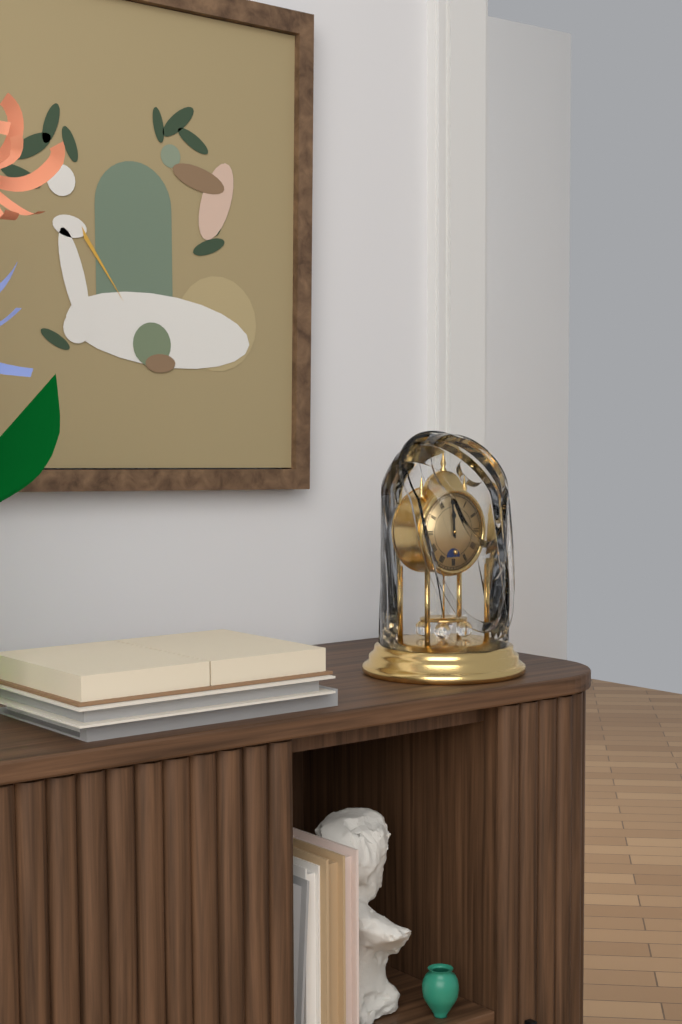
11,59
